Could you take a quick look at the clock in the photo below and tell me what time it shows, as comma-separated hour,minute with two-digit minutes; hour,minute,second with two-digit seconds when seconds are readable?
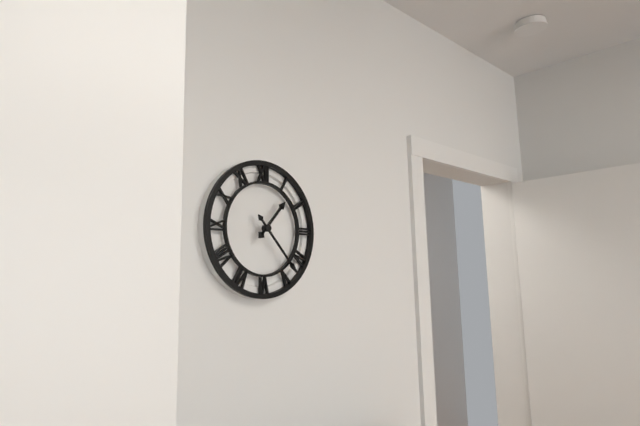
1,23
